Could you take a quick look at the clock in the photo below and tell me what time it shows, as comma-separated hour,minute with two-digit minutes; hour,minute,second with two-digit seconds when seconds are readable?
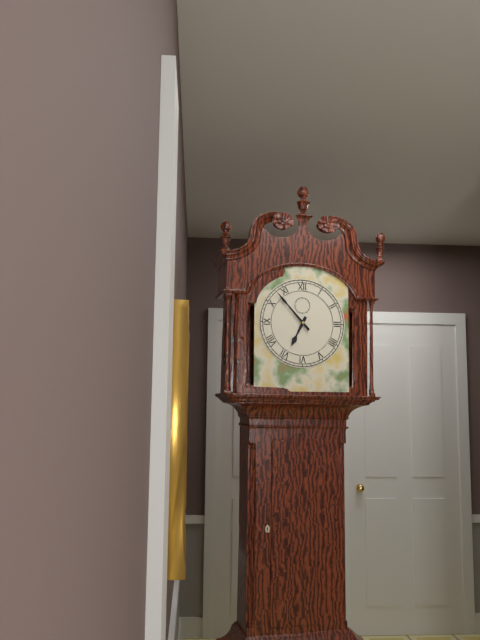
6,53
